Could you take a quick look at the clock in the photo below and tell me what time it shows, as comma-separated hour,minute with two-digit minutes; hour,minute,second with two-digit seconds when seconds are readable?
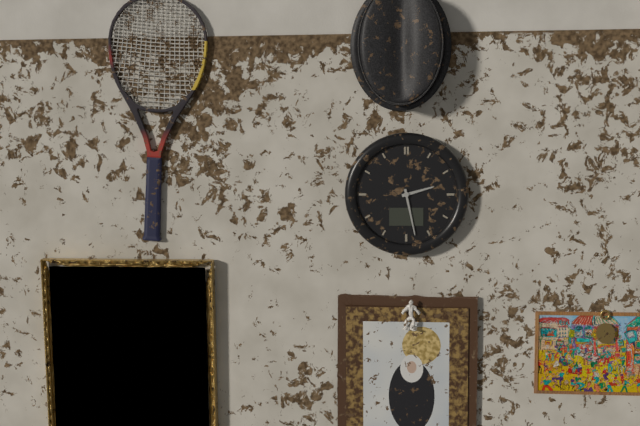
2,28
